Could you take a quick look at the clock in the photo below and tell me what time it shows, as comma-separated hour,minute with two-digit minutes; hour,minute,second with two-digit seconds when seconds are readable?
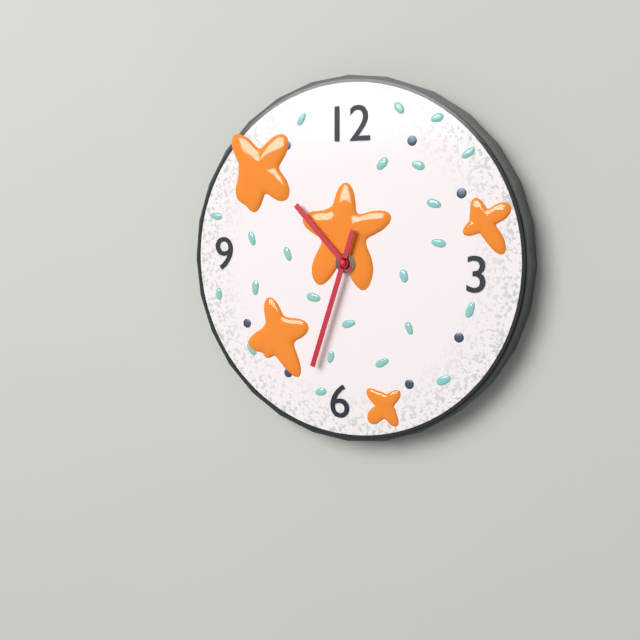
10,33
